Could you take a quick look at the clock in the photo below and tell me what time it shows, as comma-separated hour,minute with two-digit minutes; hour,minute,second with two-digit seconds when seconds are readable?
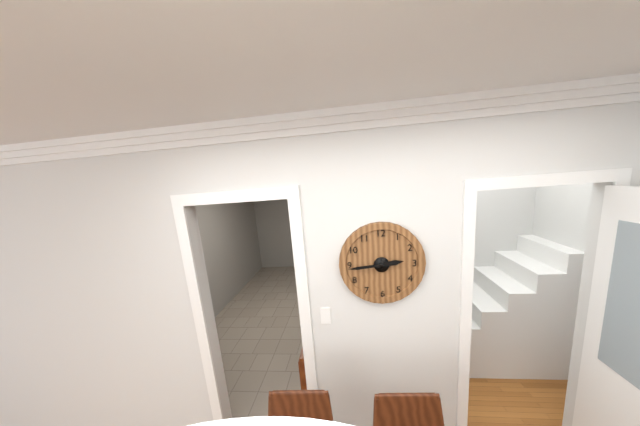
2,44
